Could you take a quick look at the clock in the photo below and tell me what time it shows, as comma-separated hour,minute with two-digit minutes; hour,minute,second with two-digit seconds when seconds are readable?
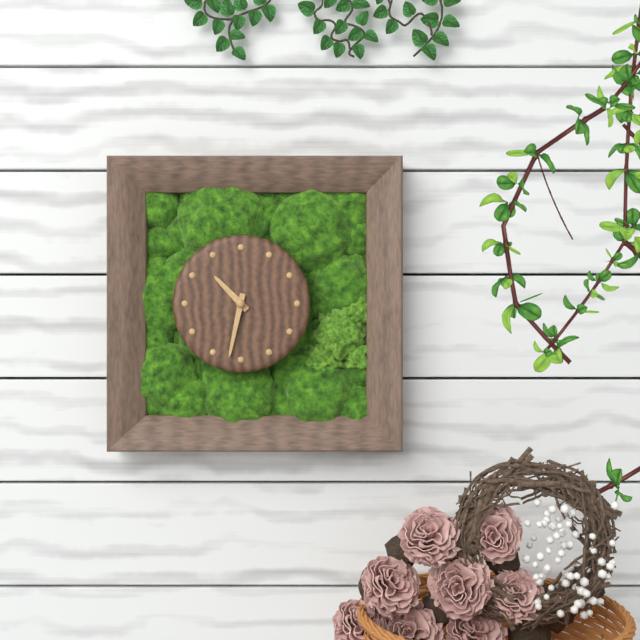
10,32
